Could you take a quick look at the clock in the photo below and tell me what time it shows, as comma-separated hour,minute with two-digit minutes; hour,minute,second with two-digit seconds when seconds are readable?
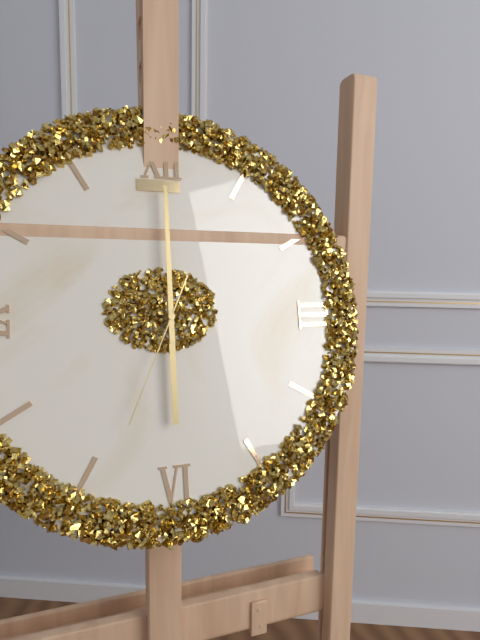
6,00,34
